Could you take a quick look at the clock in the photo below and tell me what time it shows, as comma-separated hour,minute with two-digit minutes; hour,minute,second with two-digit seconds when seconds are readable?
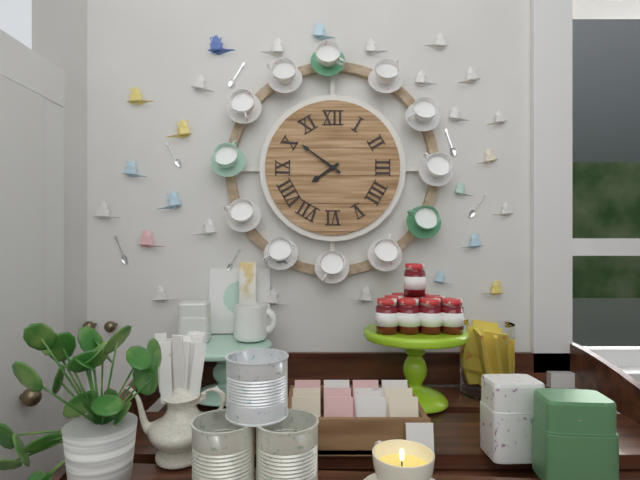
7,51
